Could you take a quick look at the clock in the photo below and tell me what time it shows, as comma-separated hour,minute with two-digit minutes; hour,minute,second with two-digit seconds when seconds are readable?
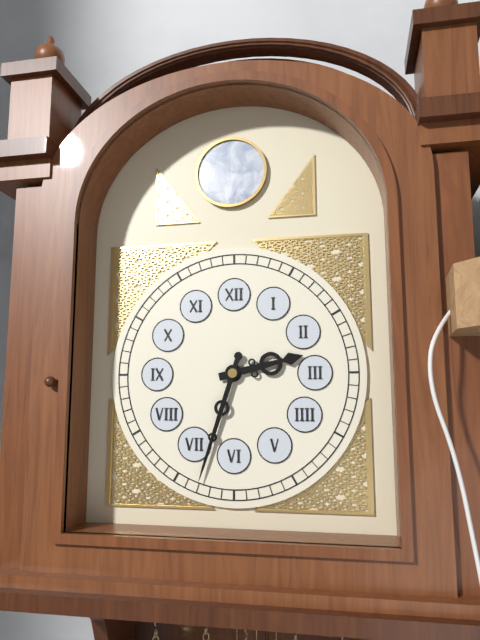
2,33
